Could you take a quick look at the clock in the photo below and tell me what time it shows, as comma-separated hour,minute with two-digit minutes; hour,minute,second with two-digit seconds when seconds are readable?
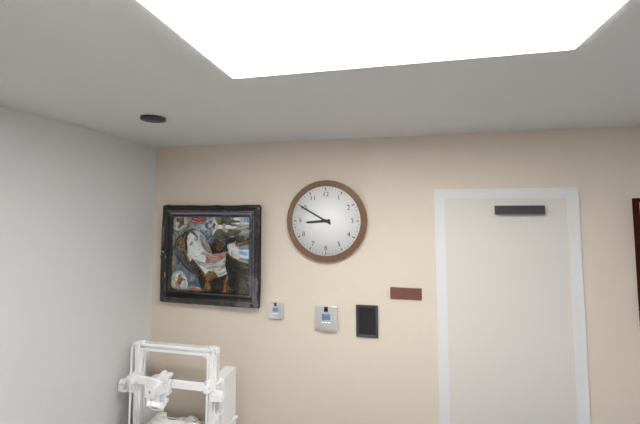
8,50
